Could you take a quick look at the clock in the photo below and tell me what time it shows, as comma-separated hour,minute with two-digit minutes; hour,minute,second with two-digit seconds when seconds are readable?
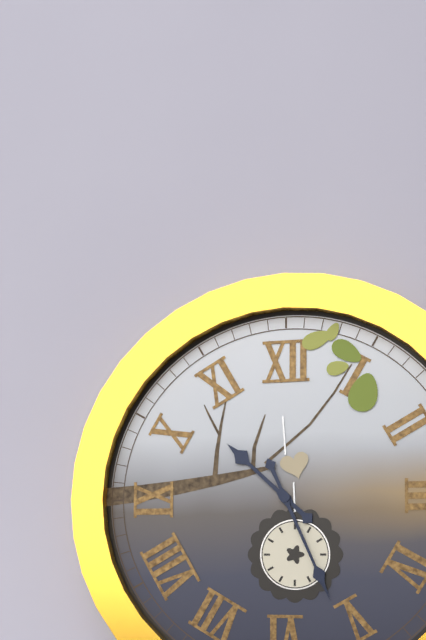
10,26
